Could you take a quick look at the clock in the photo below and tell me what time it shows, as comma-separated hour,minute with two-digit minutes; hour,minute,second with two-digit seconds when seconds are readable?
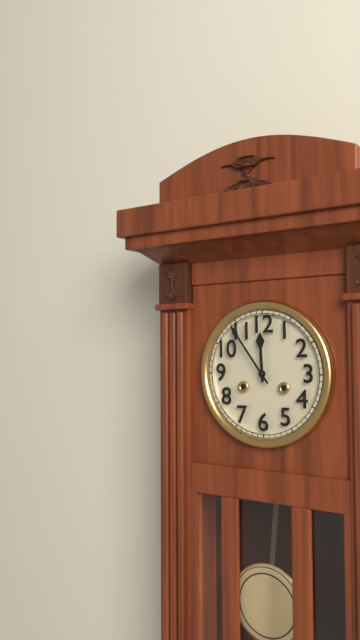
11,54
